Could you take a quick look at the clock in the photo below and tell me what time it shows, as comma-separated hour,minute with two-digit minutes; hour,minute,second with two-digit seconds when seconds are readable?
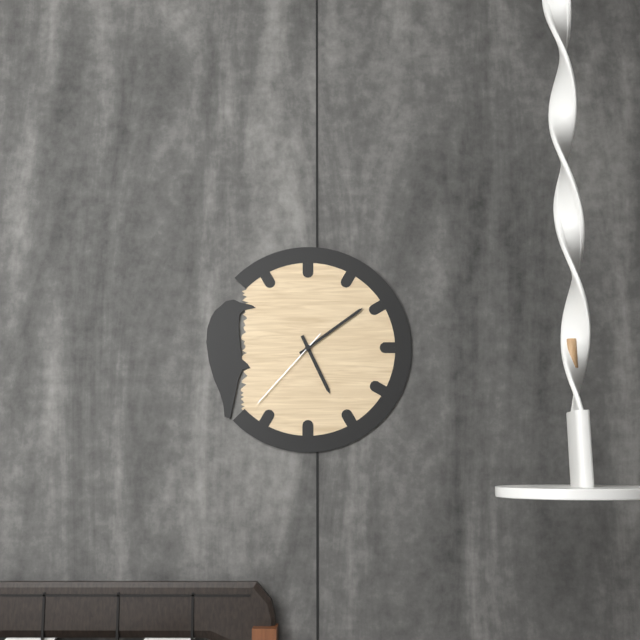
5,09,37
